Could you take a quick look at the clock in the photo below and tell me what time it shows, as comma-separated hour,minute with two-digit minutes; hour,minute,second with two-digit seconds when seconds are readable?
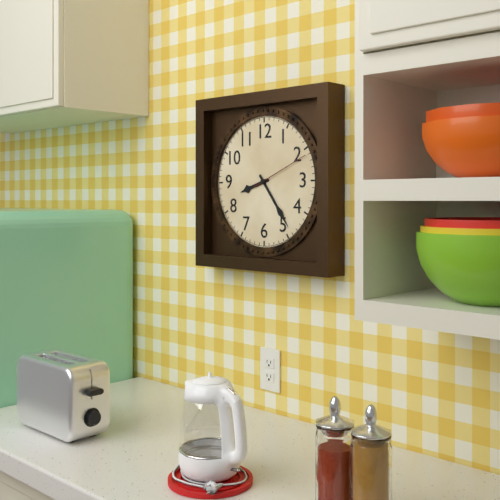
8,24,11
